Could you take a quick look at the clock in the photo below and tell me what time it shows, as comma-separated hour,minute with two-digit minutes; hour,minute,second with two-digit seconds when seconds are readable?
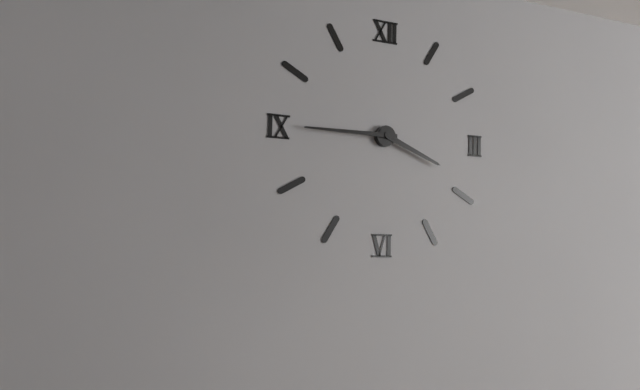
3,45
